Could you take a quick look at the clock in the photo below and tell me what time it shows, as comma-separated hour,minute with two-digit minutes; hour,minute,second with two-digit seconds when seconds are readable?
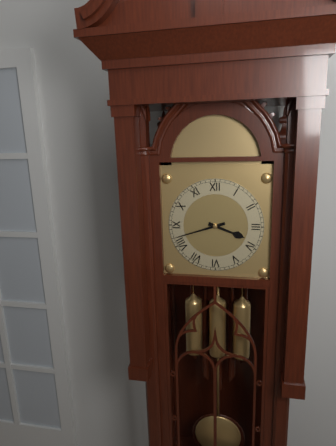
3,42
